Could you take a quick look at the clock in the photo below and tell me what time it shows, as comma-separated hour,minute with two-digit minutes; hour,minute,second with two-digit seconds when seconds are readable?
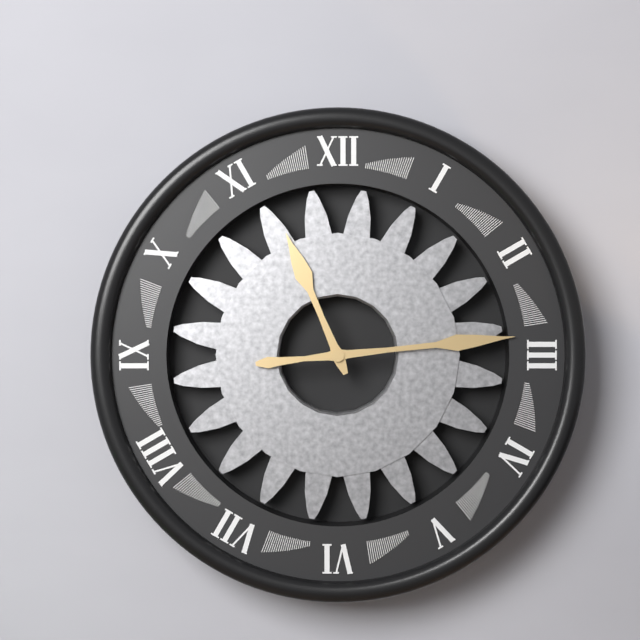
11,14
